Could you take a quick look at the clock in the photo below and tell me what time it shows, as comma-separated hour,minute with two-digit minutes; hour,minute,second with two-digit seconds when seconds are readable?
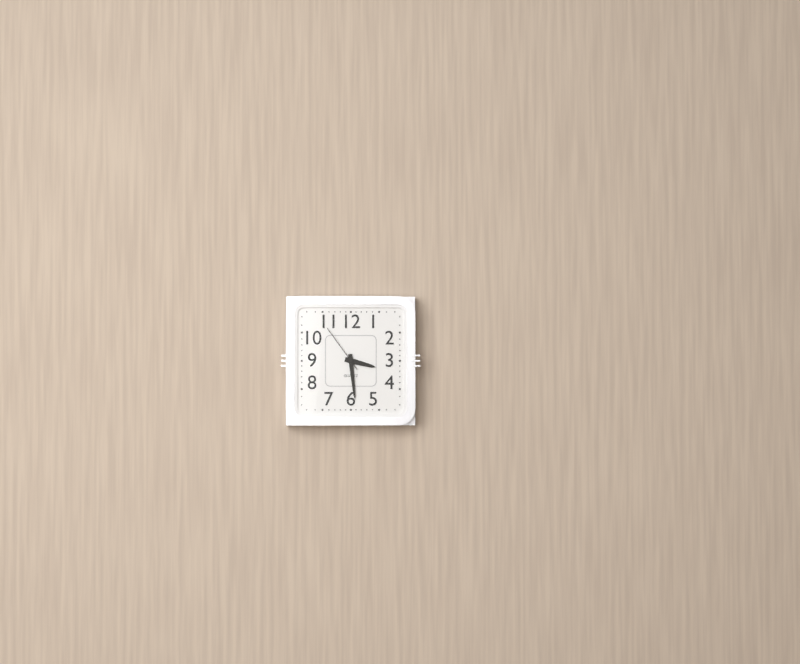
3,29,54
